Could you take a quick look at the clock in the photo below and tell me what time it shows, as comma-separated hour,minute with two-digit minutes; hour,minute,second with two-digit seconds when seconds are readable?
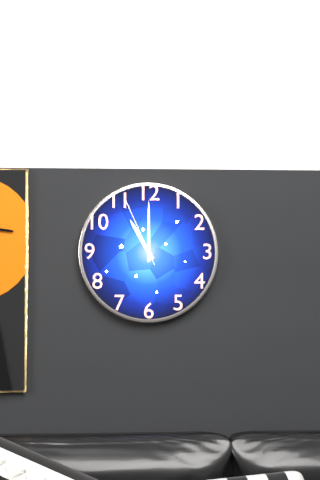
11,00,56
